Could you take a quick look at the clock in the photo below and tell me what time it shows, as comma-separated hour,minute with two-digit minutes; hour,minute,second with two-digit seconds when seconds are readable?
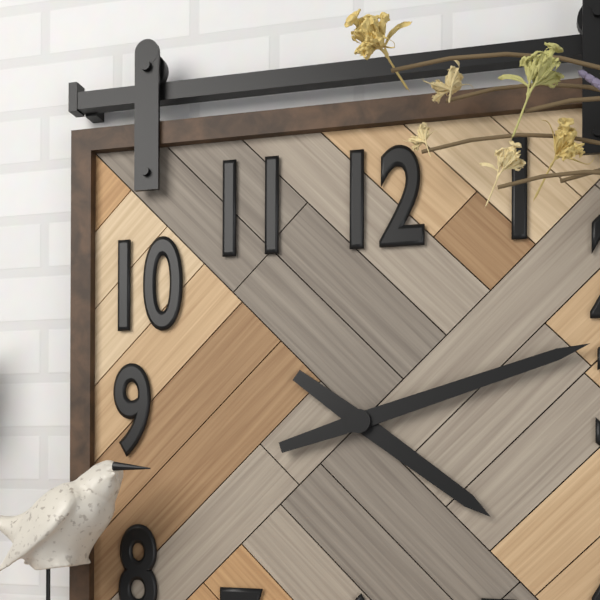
4,12
